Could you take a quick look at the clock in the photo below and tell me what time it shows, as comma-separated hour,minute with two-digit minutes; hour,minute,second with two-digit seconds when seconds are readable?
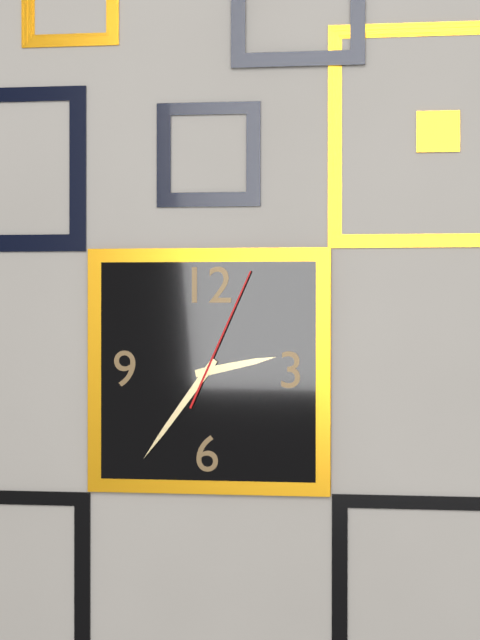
2,36,04
